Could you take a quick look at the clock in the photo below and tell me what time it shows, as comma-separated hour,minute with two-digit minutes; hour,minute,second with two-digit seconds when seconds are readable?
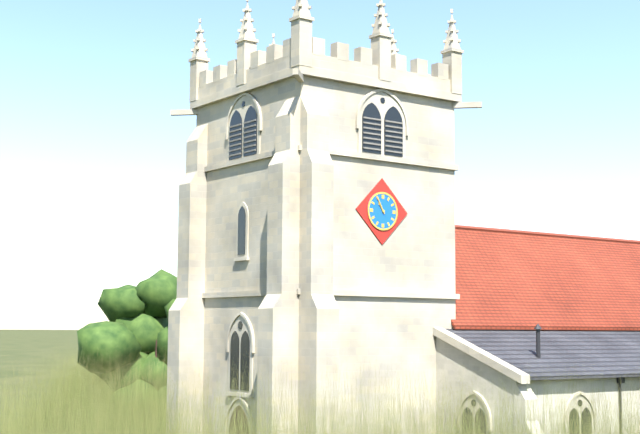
10,55
